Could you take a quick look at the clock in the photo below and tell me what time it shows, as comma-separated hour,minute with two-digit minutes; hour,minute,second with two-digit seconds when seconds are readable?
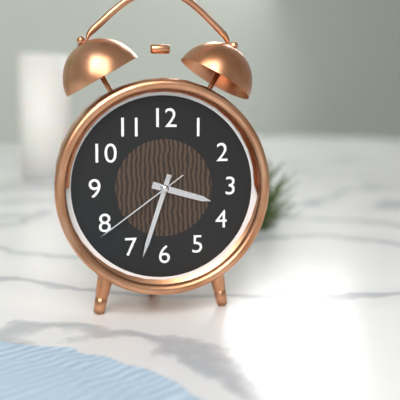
3,33,39
